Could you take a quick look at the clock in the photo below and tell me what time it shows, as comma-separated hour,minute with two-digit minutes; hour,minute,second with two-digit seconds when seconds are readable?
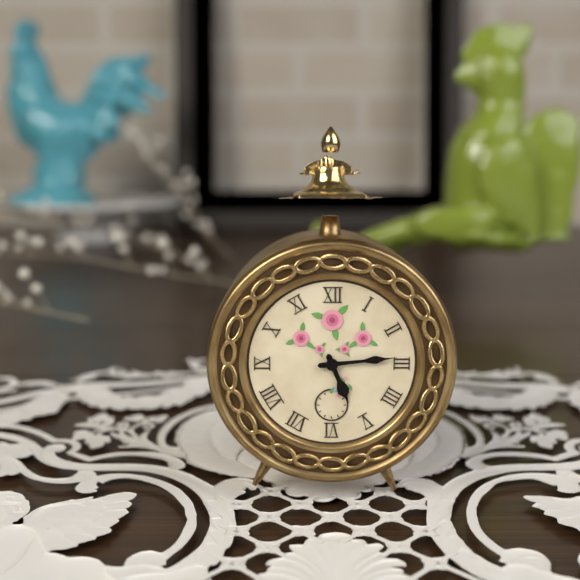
5,14
